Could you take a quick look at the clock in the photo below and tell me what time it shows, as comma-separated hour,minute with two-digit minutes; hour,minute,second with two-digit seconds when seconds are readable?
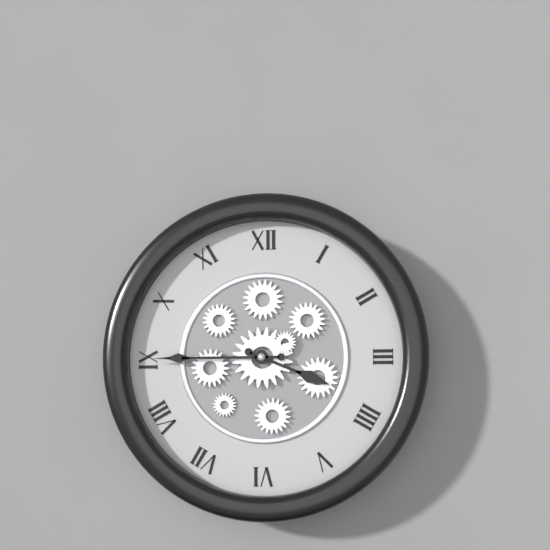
3,45
